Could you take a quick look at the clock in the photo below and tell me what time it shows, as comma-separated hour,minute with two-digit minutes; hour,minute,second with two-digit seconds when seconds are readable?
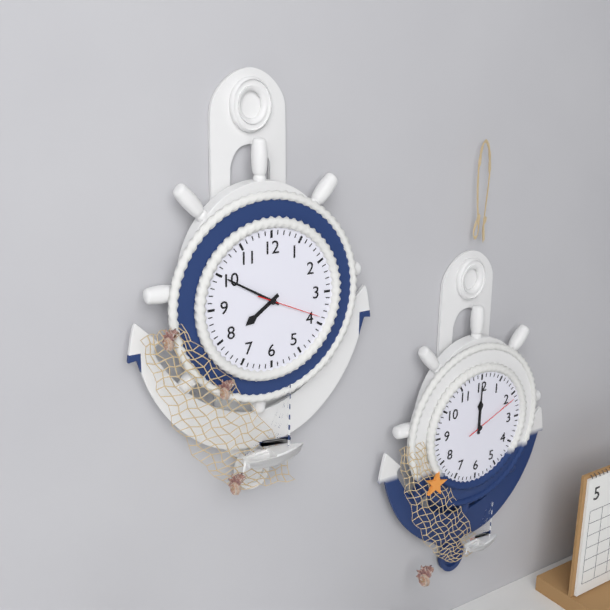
7,50,19
